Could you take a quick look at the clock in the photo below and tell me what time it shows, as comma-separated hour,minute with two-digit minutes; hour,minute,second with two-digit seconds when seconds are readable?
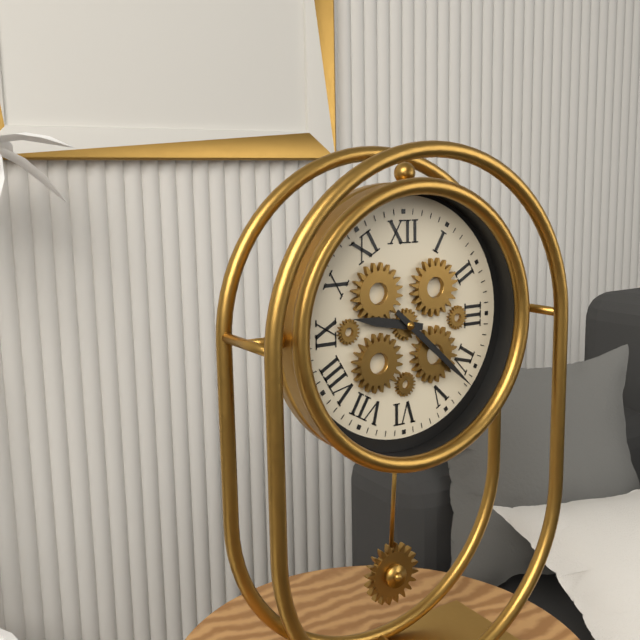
9,22
